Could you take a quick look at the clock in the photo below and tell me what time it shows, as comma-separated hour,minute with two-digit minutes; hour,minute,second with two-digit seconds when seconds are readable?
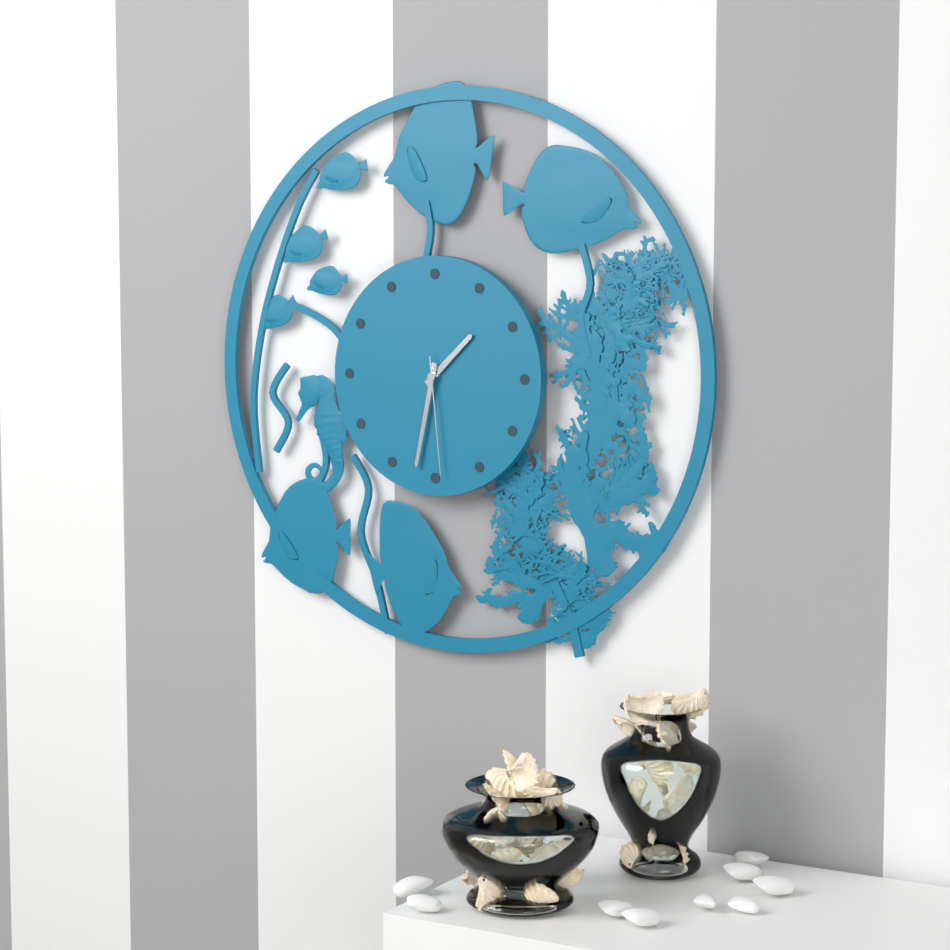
1,32,29
